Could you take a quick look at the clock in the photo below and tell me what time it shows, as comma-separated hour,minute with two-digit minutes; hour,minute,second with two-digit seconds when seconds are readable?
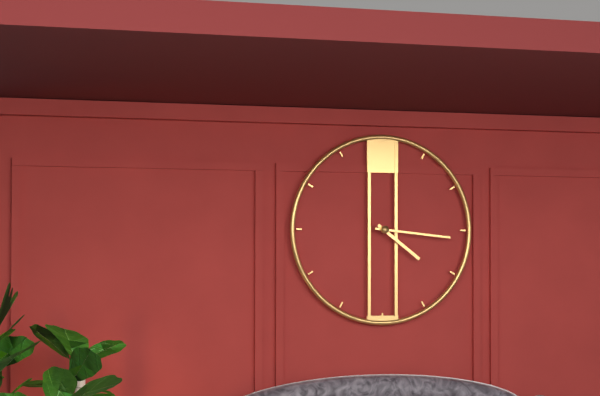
4,16
